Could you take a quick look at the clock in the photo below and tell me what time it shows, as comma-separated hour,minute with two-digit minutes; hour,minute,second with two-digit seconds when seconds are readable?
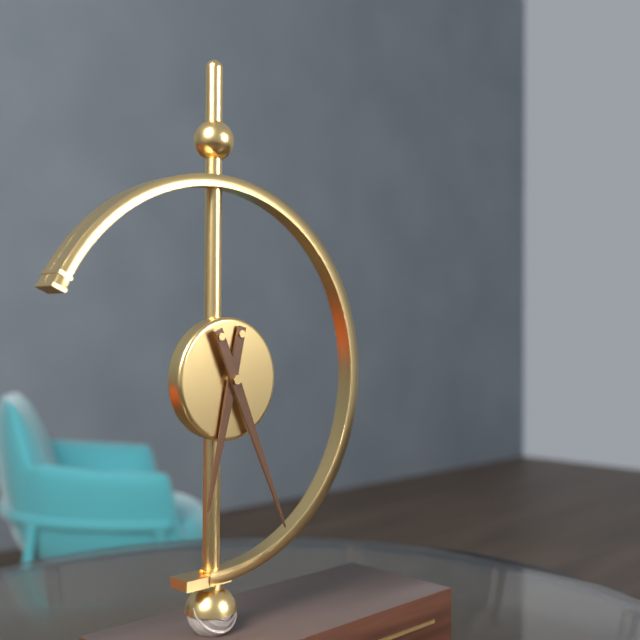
6,26
